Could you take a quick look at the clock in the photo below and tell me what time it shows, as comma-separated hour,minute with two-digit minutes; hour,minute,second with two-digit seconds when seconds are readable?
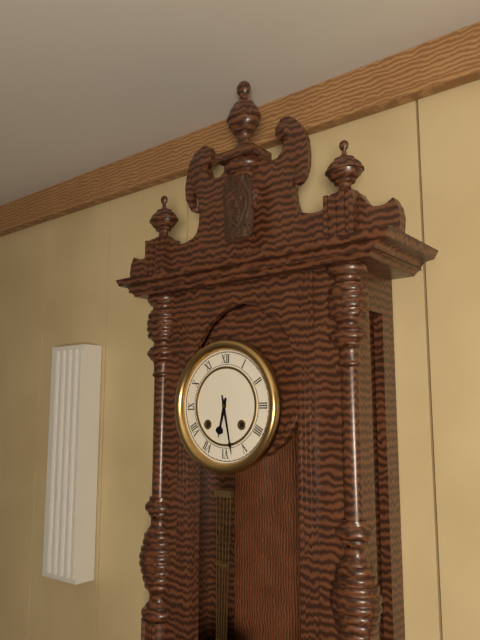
6,28
